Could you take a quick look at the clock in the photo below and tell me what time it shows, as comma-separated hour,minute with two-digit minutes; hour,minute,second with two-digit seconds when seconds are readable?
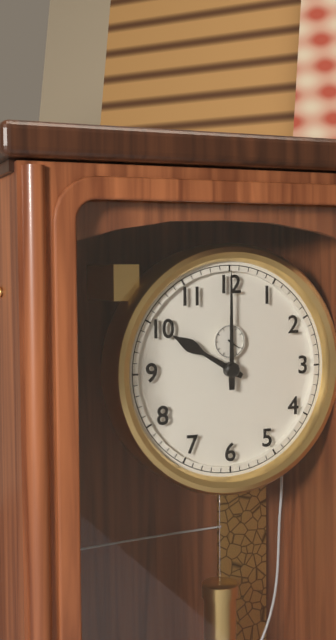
10,00
